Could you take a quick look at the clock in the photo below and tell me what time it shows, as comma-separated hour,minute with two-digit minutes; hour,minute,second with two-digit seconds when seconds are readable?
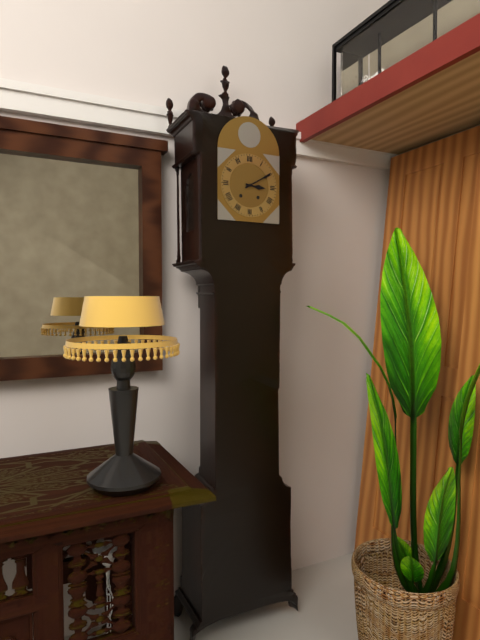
3,10
